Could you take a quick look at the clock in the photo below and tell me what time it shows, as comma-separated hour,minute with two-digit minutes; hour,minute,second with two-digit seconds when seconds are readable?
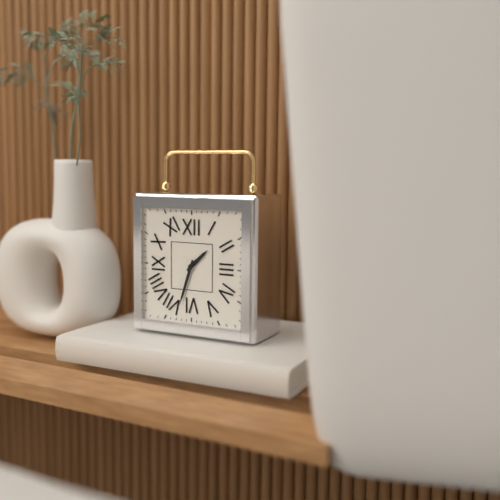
1,33
